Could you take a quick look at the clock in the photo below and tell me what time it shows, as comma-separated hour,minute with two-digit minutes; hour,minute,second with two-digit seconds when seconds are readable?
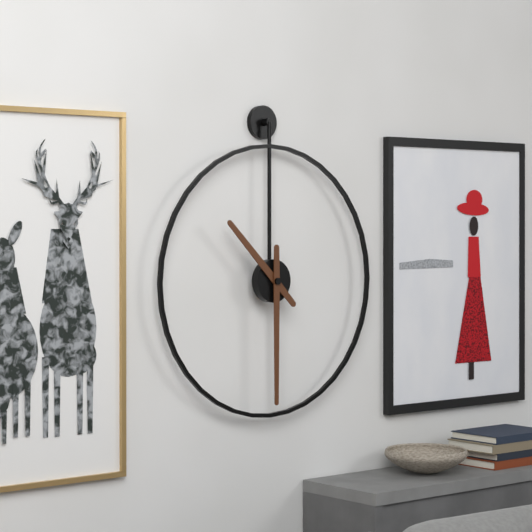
10,30
